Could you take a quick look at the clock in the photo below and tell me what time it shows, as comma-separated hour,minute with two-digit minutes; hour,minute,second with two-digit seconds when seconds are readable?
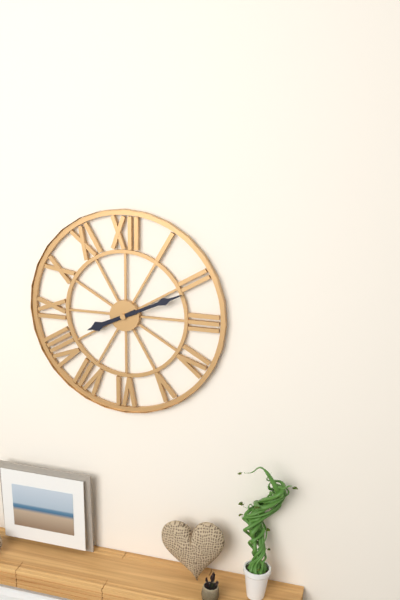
8,11
